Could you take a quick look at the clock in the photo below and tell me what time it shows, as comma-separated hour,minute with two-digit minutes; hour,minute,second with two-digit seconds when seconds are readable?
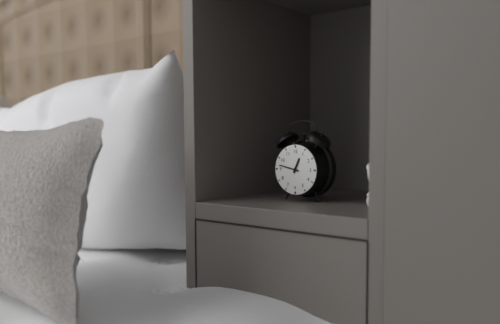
12,47
